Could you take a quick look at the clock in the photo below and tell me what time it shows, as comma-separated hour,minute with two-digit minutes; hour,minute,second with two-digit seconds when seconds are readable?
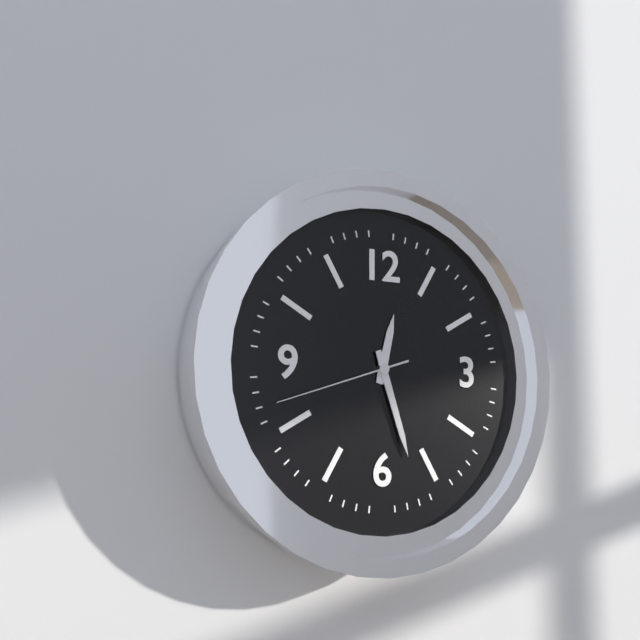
12,27,42
